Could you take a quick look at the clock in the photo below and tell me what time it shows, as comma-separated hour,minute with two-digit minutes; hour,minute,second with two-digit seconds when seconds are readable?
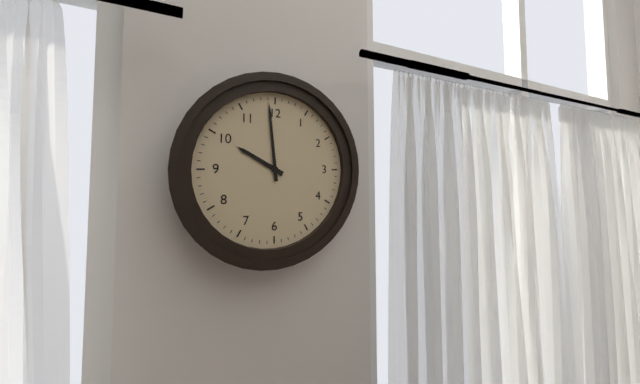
9,59
